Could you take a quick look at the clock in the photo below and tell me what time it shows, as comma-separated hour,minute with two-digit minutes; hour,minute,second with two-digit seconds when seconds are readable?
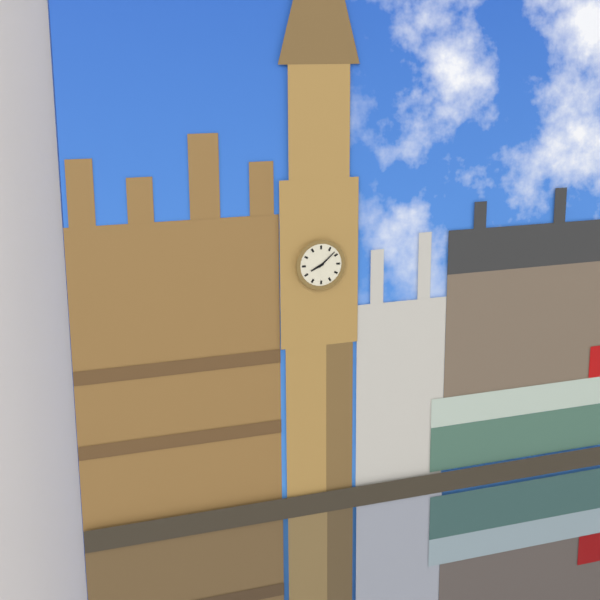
8,08
